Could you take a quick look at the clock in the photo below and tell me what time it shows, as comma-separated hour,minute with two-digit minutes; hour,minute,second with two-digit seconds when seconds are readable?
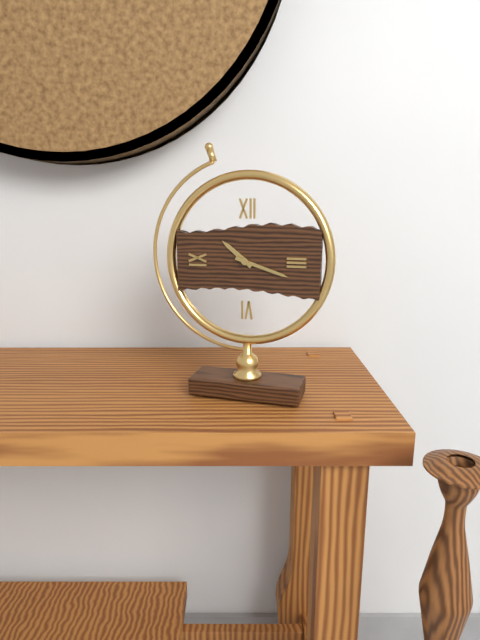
10,18
